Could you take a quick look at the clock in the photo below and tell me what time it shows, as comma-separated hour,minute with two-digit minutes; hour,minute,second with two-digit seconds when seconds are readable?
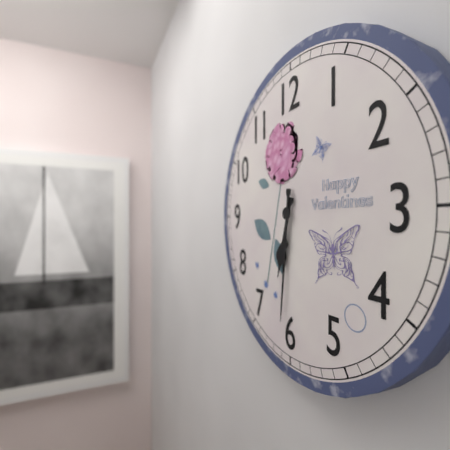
6,31
